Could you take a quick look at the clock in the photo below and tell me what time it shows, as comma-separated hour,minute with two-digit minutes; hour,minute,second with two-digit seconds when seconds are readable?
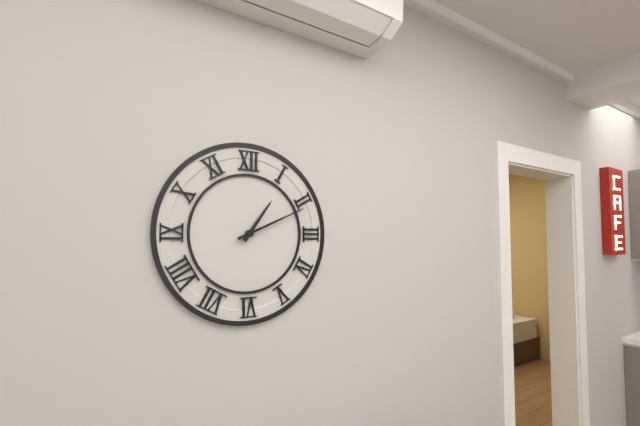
1,11
